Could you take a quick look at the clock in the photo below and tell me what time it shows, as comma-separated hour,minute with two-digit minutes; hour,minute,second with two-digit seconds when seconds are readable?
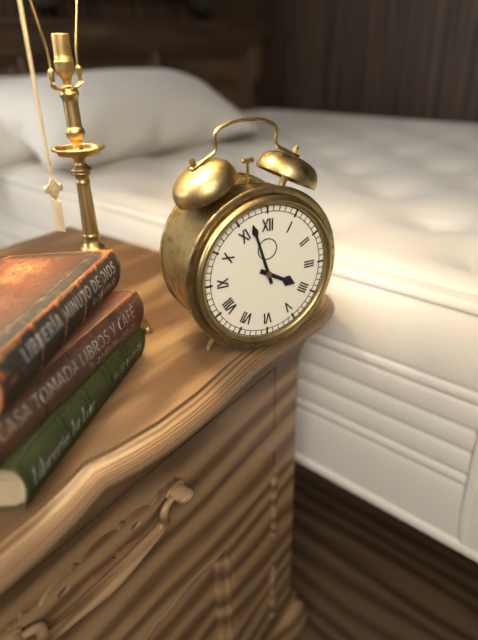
3,57
